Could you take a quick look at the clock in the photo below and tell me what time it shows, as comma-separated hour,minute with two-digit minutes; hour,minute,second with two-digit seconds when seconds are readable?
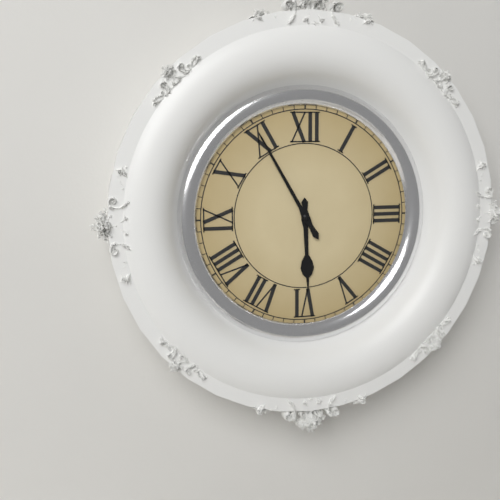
5,55
